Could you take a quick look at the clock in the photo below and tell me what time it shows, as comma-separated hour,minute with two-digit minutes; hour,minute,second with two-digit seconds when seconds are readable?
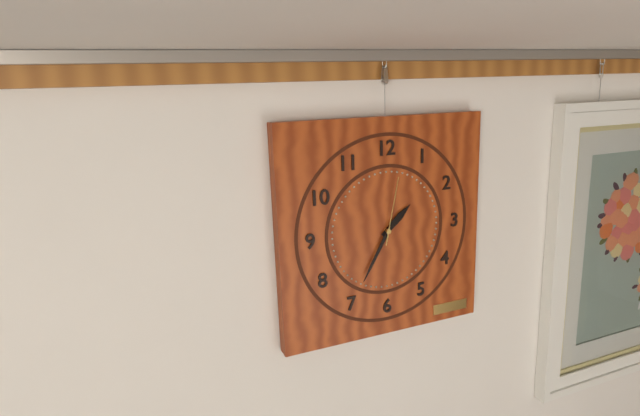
1,35,02
